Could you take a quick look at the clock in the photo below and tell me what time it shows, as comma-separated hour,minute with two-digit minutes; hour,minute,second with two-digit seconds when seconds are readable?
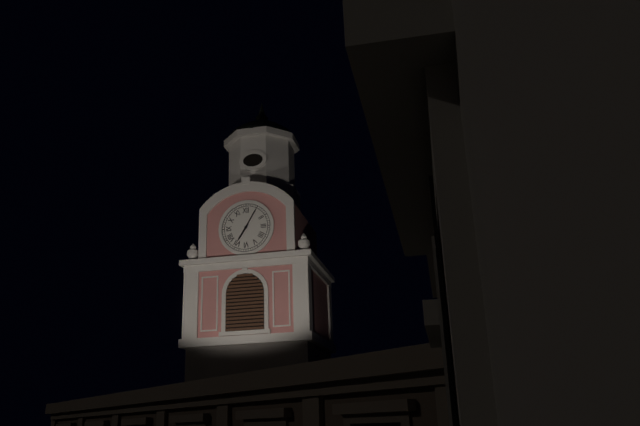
7,05
